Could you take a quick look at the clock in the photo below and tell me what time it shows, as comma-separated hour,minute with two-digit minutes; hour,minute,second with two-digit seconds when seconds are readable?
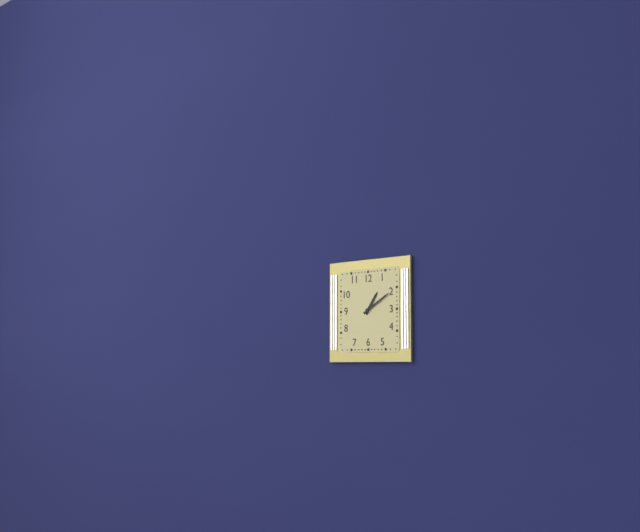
1,10
